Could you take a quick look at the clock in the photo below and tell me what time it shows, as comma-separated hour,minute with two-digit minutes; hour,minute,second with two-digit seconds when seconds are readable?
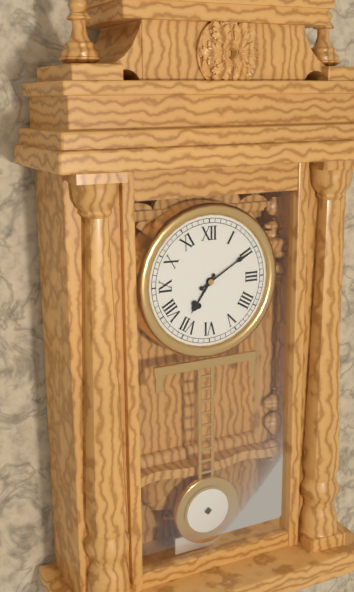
7,10
